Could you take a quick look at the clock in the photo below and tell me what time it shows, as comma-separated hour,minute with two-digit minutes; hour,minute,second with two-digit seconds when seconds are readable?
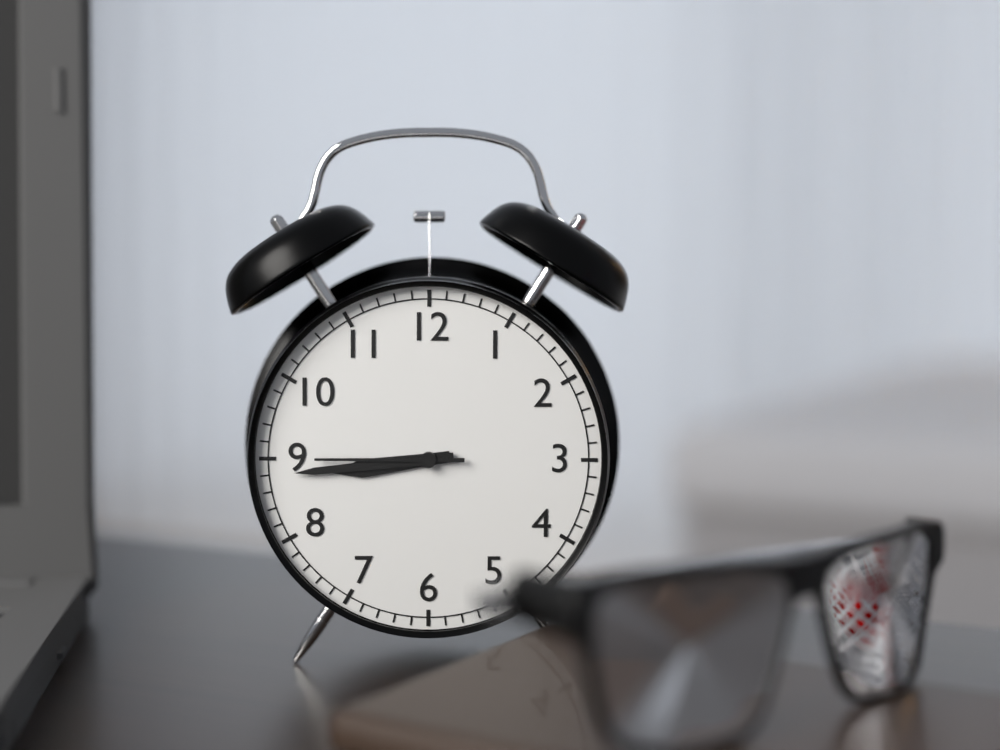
8,44,45
